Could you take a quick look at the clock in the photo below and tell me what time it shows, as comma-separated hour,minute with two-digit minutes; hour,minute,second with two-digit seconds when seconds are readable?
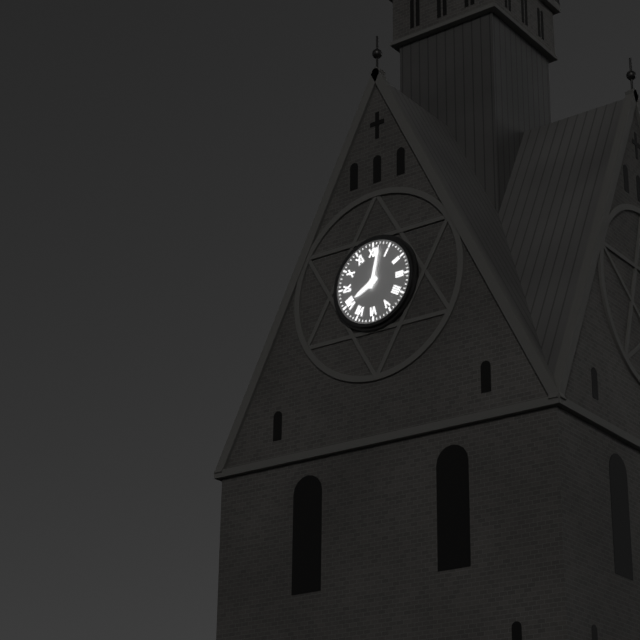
8,02
